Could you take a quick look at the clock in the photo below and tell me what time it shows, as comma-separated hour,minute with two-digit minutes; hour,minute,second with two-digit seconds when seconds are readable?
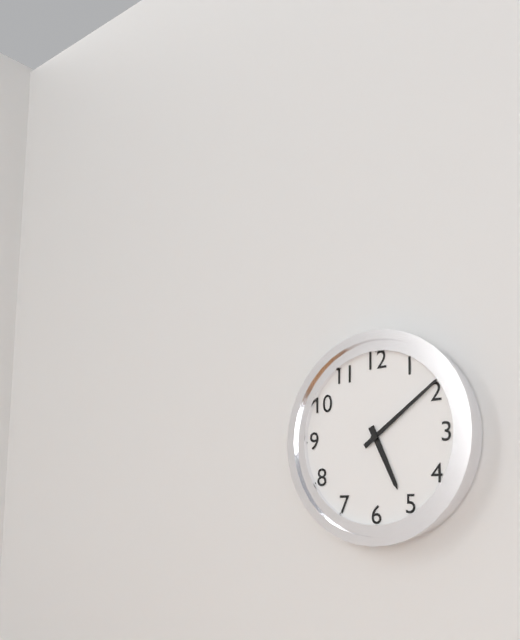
5,09
